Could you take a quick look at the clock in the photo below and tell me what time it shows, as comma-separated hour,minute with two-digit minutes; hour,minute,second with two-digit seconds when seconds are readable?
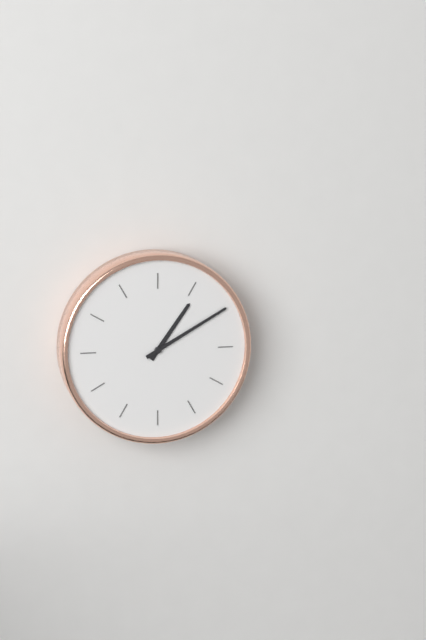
1,10
